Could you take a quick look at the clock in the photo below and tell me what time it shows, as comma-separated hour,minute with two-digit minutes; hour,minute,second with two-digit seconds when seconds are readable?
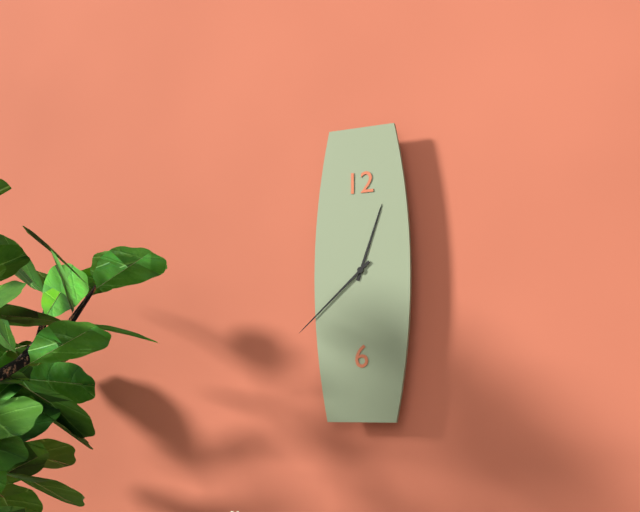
12,38
